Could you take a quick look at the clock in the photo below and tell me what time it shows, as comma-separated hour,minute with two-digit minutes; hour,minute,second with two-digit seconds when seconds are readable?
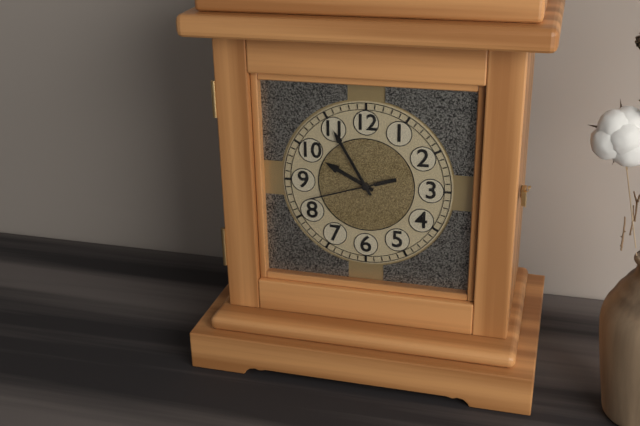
9,55,42
